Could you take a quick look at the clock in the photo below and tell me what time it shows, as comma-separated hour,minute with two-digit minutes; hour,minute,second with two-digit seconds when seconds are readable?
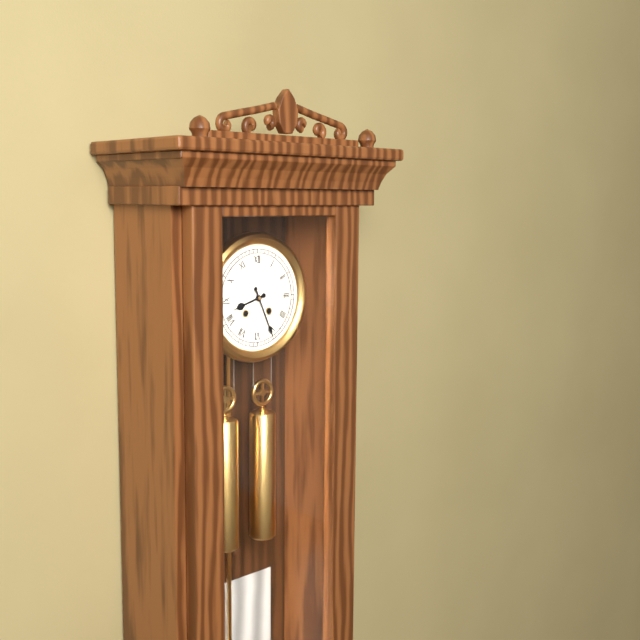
8,26
